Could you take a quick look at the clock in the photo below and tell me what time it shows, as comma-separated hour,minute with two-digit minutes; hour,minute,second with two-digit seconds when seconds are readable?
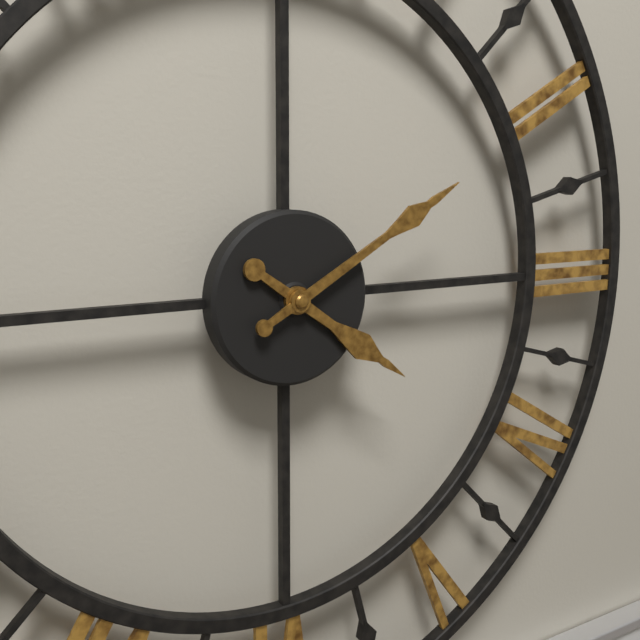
4,10
